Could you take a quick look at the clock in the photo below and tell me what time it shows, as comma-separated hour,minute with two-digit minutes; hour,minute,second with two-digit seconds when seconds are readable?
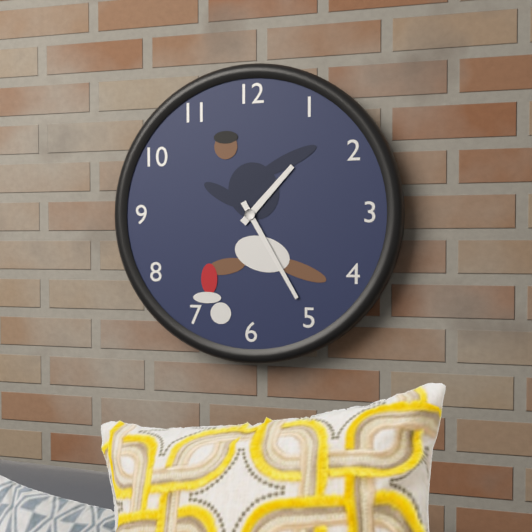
1,25
